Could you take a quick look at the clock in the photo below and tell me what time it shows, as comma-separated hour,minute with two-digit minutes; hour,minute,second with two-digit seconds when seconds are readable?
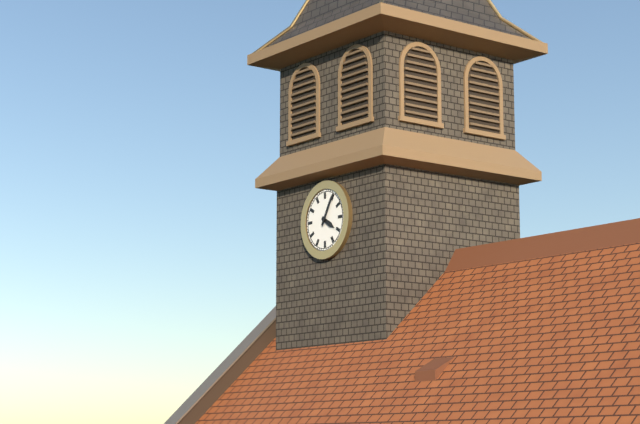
4,05
